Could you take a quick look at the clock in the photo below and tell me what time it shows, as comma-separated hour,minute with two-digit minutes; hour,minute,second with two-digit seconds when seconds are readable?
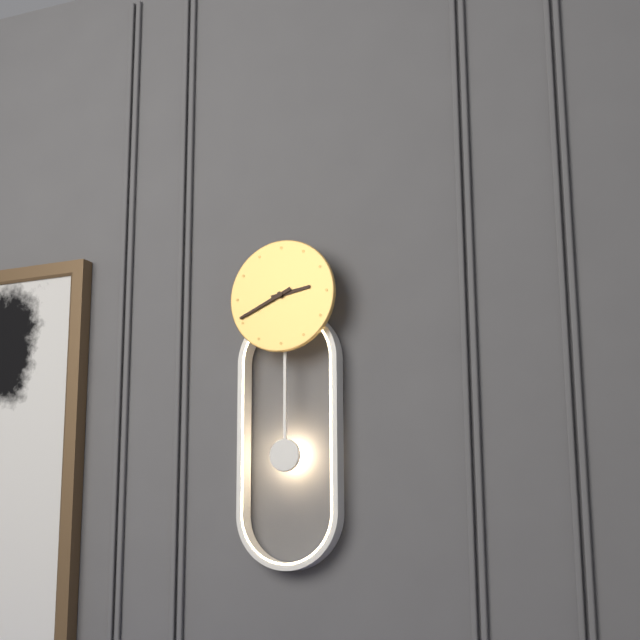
2,41
